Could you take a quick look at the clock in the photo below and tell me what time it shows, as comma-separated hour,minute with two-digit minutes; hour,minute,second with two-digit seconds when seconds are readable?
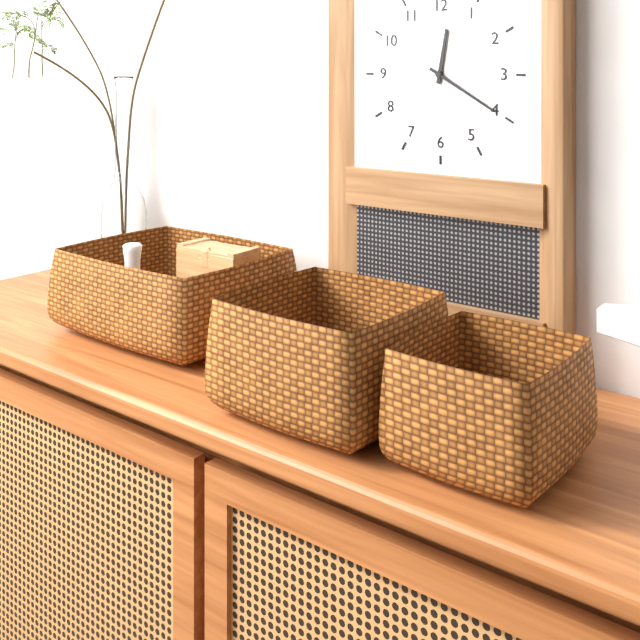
12,20
